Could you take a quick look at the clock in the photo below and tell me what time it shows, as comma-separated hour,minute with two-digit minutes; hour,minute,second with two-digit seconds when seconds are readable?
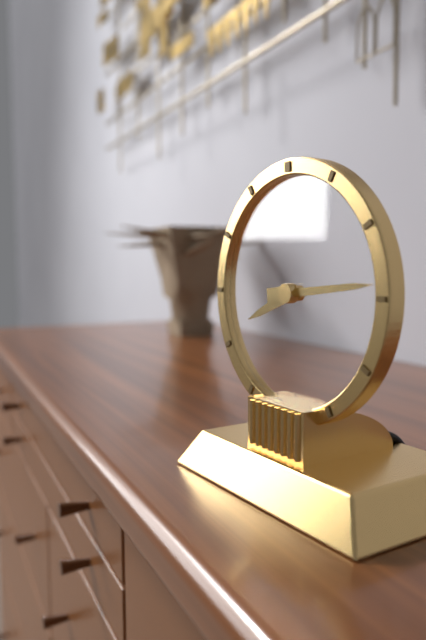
8,14
